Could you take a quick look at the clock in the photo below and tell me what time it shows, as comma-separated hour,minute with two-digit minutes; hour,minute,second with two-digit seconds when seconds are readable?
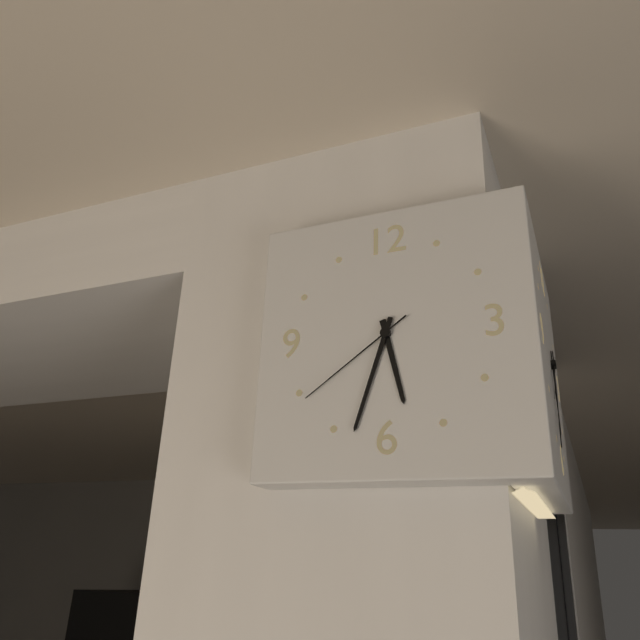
5,33,39
